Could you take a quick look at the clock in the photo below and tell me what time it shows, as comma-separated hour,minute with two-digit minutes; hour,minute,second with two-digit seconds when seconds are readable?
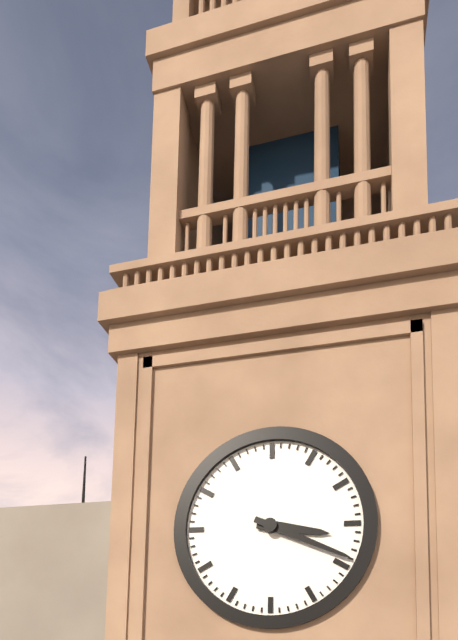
3,19
